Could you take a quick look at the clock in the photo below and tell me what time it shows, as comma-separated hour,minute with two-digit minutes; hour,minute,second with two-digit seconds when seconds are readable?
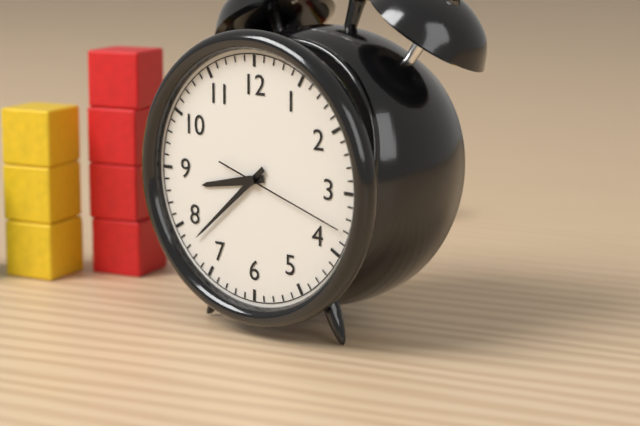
8,38,18
